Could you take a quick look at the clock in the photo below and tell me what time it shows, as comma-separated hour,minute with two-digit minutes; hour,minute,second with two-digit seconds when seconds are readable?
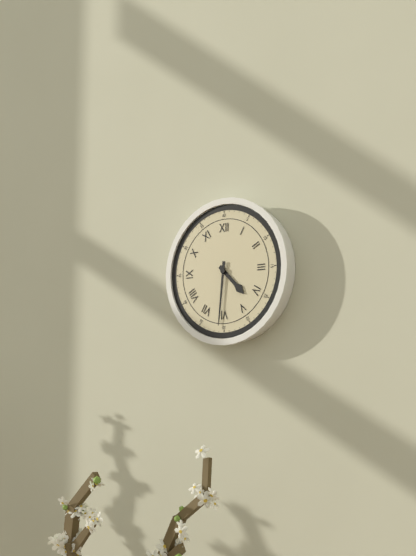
4,31
